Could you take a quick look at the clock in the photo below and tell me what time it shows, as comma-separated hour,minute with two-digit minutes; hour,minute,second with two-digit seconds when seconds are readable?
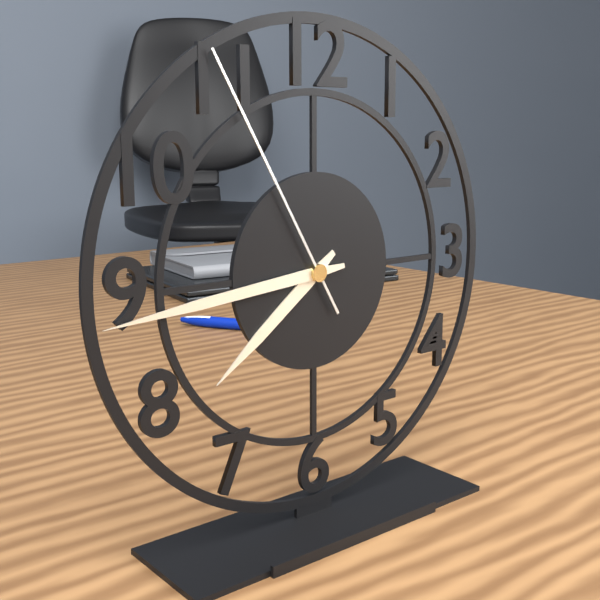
7,44,55
